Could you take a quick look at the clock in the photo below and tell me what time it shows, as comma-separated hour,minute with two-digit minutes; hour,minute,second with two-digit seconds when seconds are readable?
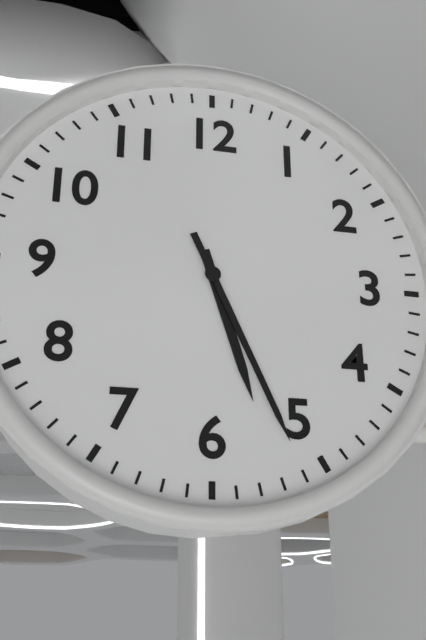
5,26
